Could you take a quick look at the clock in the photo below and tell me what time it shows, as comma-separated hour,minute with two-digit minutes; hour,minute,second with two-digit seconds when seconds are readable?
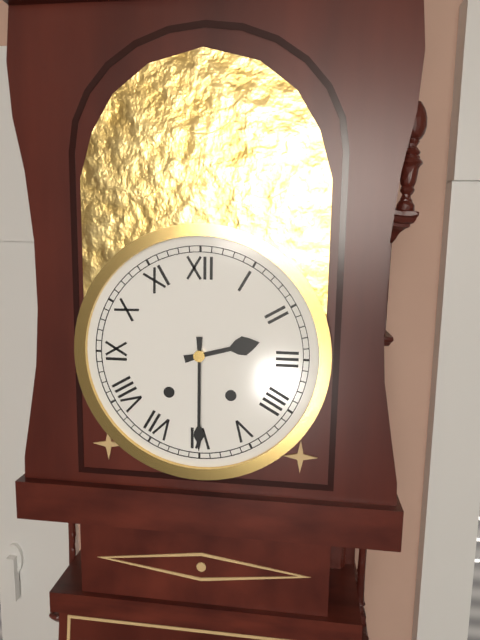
2,30
